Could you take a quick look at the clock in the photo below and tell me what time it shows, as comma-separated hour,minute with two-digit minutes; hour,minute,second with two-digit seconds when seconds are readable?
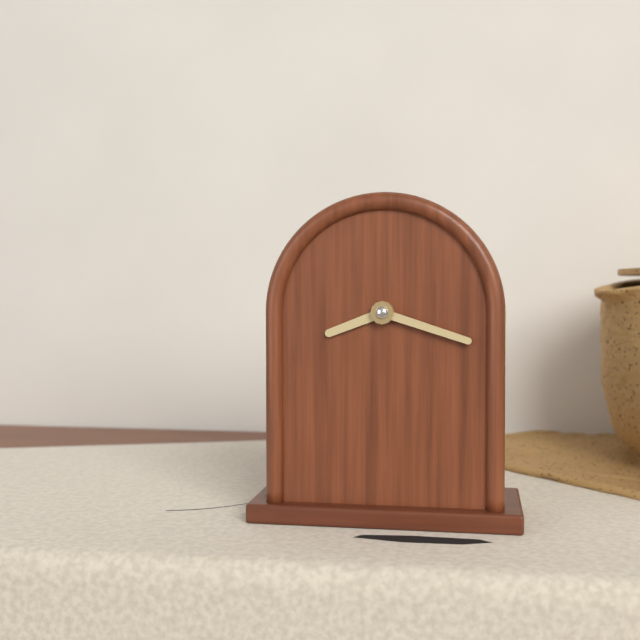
8,18
